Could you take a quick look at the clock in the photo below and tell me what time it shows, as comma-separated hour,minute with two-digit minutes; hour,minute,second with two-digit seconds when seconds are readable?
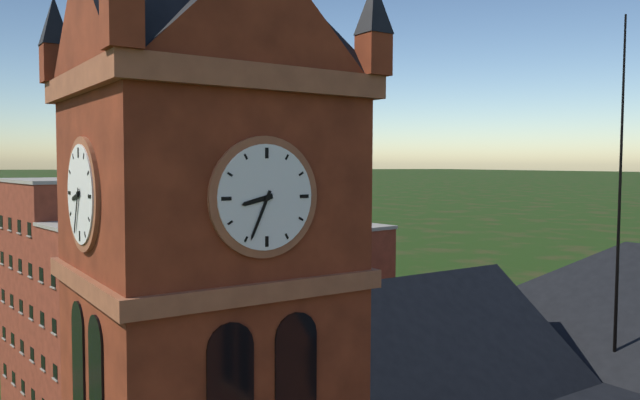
8,34
